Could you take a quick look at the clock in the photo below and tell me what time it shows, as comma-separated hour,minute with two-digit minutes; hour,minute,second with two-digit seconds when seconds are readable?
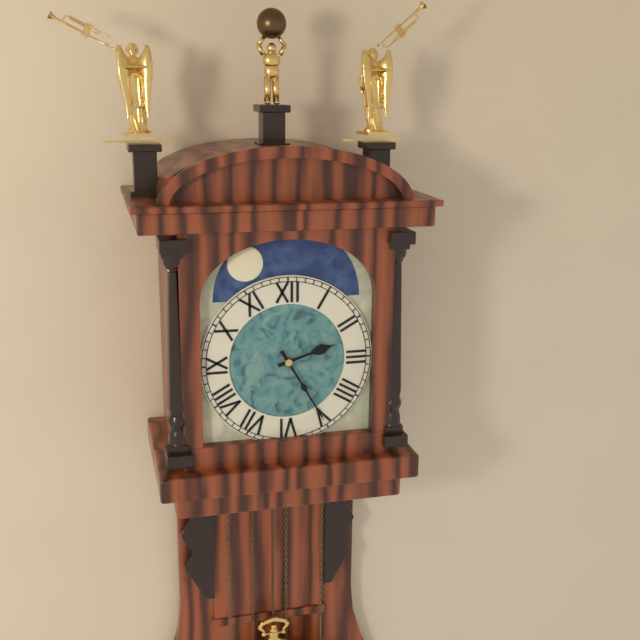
2,25
